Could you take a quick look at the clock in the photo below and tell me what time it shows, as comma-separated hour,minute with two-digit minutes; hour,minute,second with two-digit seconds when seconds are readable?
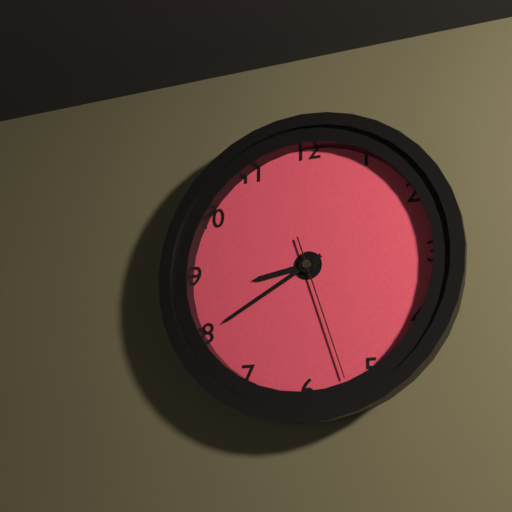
8,40,27
